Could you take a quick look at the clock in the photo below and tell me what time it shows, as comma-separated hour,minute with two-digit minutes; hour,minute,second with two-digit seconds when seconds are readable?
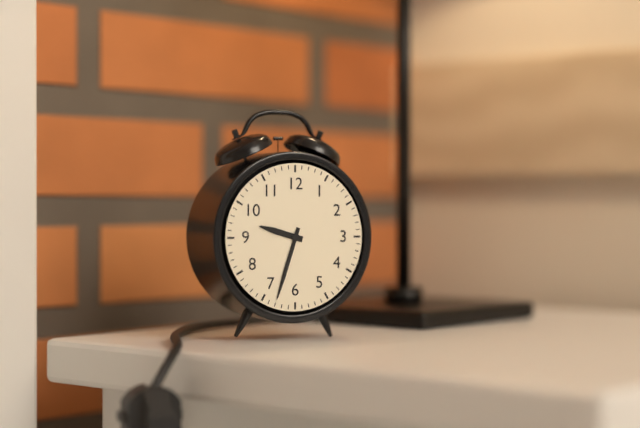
9,33
